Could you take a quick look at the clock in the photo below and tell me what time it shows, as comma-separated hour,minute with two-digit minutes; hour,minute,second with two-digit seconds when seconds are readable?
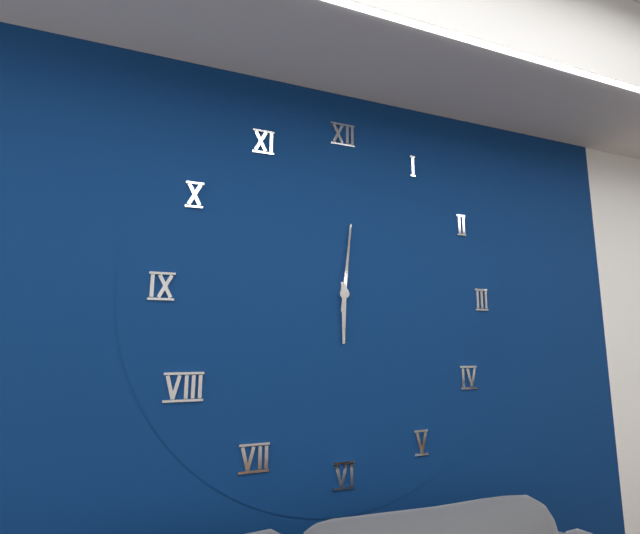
6,01
